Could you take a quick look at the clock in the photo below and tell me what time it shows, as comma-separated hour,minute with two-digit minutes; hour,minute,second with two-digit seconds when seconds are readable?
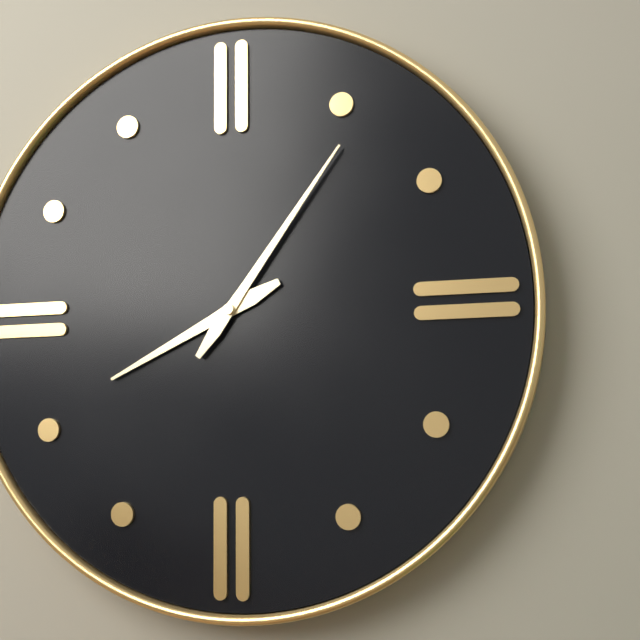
8,06
